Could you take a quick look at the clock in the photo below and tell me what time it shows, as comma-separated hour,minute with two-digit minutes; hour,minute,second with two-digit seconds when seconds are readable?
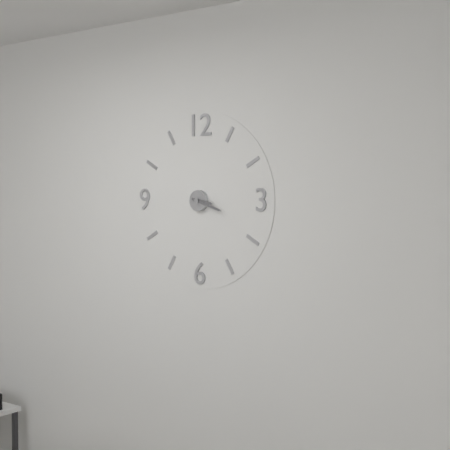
3,18
